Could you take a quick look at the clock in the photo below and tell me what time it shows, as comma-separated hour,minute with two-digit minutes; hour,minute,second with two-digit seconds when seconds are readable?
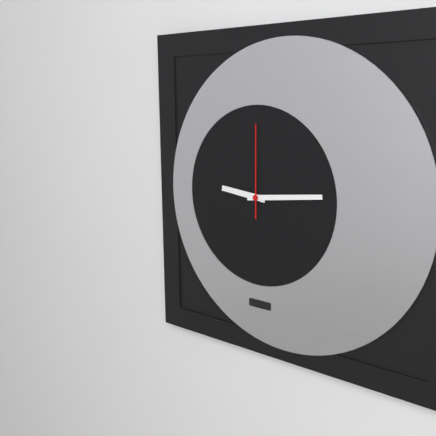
9,14,00
